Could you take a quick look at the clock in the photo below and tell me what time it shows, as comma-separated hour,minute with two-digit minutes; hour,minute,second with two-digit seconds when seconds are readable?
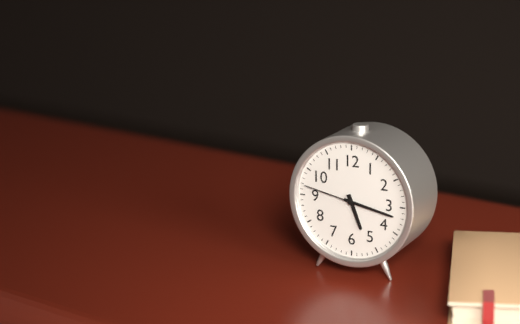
5,17,47
